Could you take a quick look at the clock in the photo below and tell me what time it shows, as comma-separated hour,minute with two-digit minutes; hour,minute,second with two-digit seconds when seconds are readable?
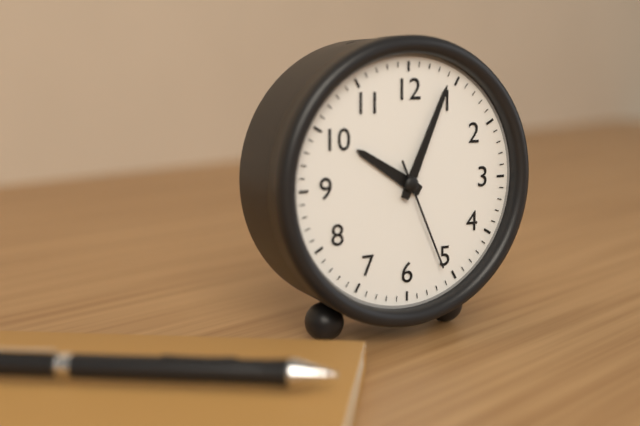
10,04,26
